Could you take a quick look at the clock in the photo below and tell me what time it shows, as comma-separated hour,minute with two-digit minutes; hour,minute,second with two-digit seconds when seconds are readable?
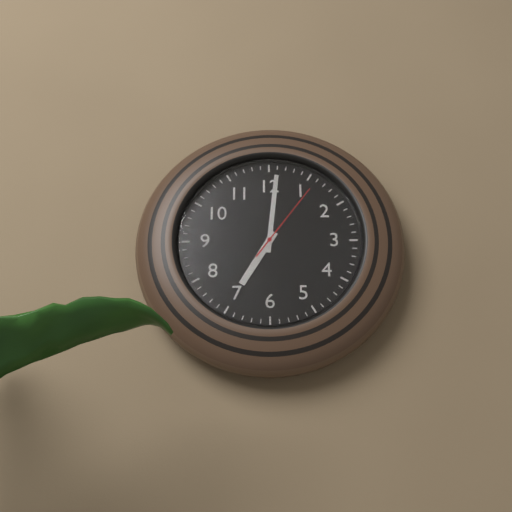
7,01,06
